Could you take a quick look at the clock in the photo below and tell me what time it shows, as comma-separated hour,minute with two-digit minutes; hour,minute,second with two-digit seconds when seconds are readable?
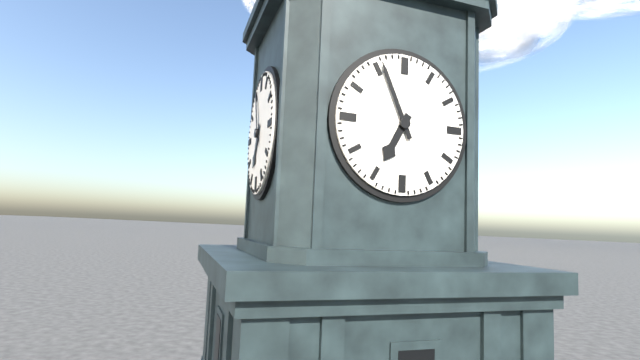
6,56
